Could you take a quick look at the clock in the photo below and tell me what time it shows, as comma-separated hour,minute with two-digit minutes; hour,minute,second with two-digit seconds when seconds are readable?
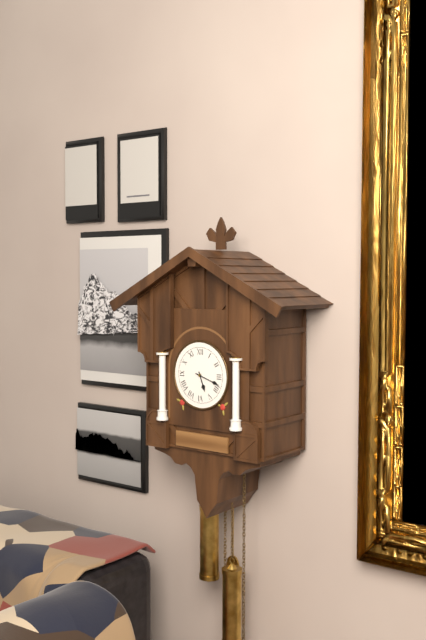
5,18
